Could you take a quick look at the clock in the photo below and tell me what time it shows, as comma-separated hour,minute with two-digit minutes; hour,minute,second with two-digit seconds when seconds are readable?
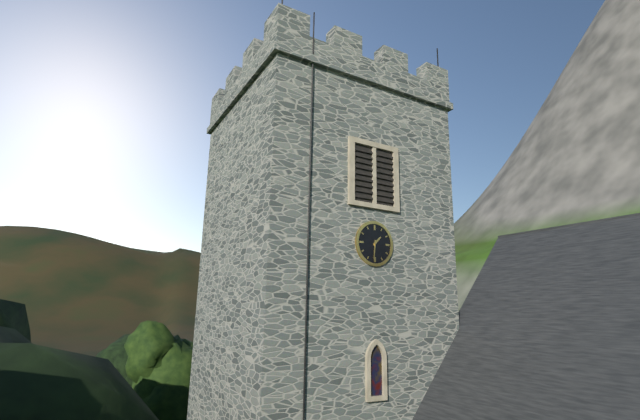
1,31
